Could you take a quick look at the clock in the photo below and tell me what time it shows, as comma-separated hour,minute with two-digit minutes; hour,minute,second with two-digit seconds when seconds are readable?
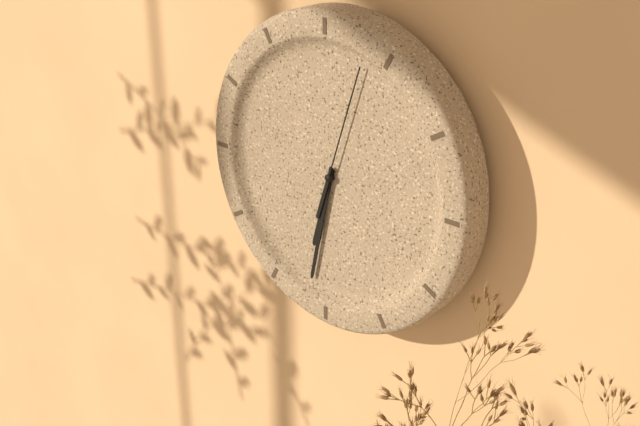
6,32,03
